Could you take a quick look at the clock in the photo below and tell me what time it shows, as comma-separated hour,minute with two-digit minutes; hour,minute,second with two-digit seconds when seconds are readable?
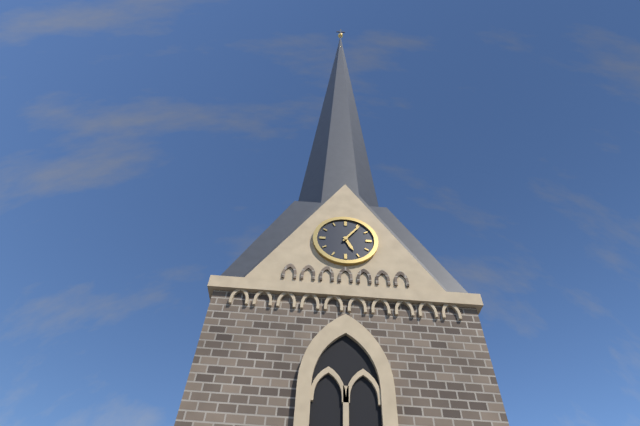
5,06
